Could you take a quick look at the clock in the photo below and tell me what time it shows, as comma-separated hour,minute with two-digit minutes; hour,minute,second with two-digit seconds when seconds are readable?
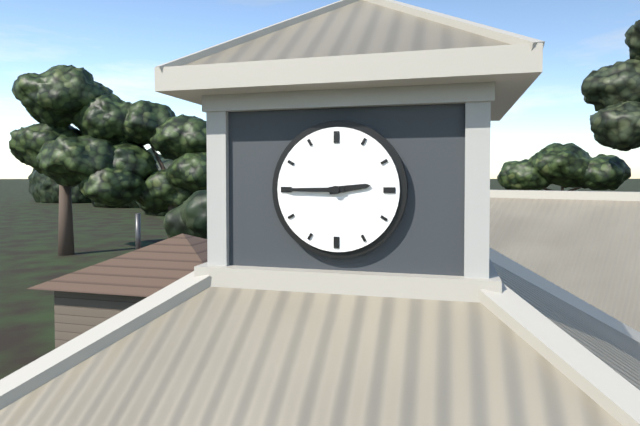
2,45
